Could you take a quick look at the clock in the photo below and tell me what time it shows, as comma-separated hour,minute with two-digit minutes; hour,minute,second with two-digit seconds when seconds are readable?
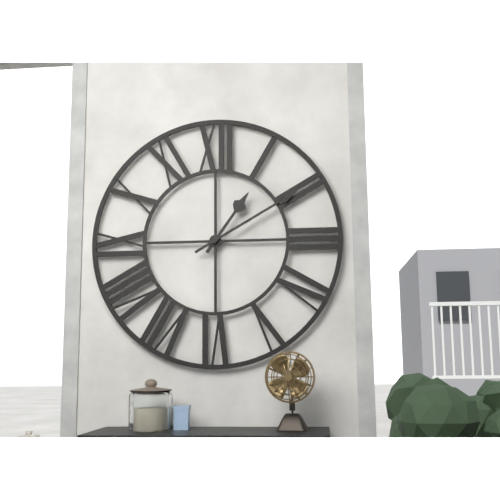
1,10
